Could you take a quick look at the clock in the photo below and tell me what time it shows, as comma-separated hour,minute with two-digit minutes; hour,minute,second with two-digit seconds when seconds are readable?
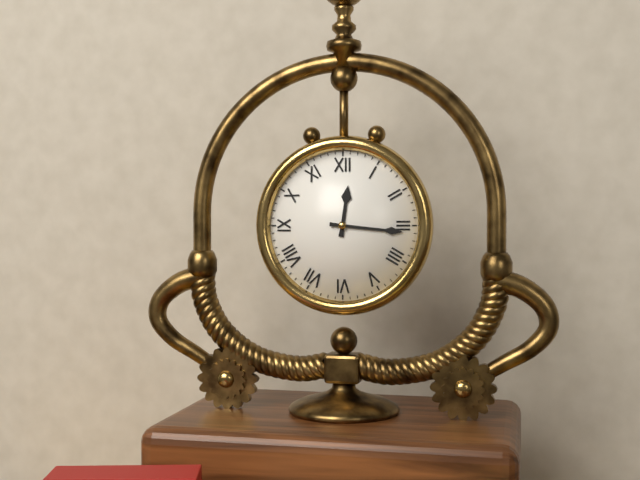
12,16
